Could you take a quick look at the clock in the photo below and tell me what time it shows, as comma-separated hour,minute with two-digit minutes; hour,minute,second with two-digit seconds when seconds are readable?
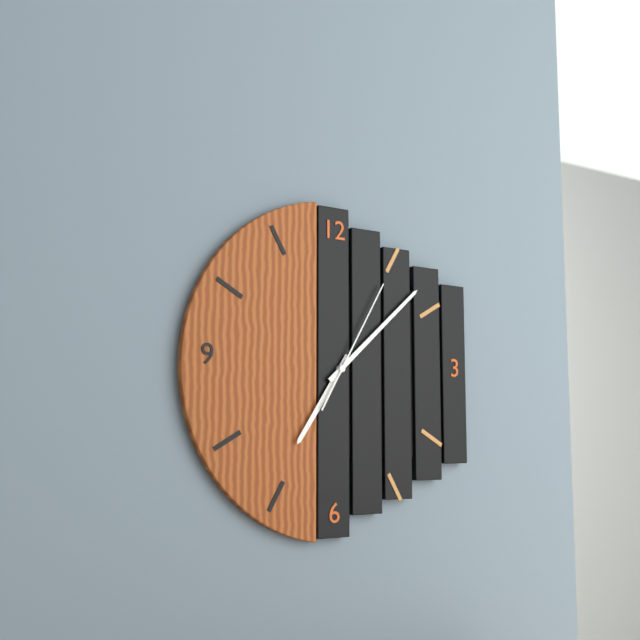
7,08,05
